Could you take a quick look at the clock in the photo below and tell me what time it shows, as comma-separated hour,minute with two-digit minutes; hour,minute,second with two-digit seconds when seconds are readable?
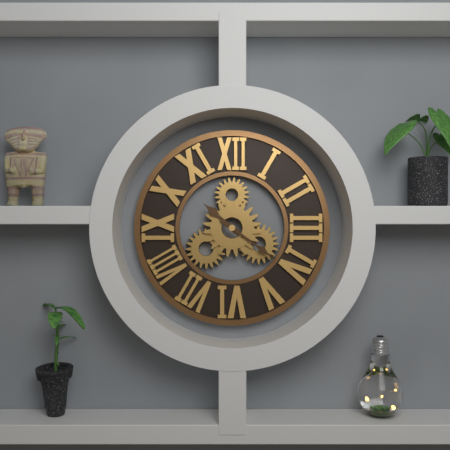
10,21
